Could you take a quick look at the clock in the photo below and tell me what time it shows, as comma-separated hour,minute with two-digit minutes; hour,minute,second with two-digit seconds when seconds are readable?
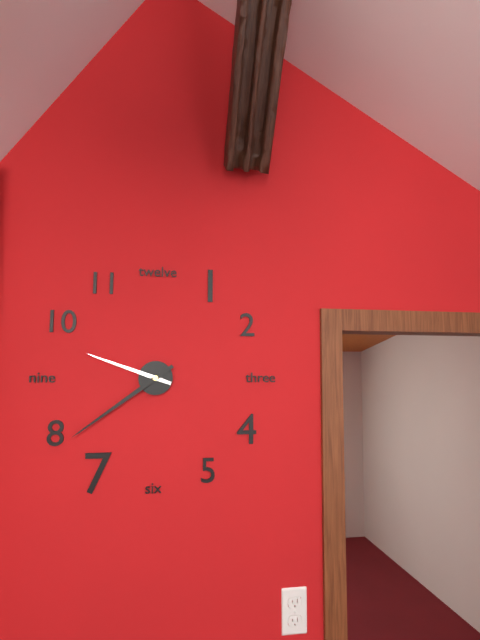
9,39
